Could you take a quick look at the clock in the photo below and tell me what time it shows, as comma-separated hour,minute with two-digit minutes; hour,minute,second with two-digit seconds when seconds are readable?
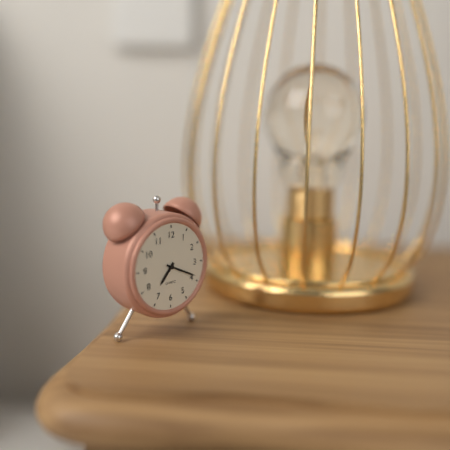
7,19
